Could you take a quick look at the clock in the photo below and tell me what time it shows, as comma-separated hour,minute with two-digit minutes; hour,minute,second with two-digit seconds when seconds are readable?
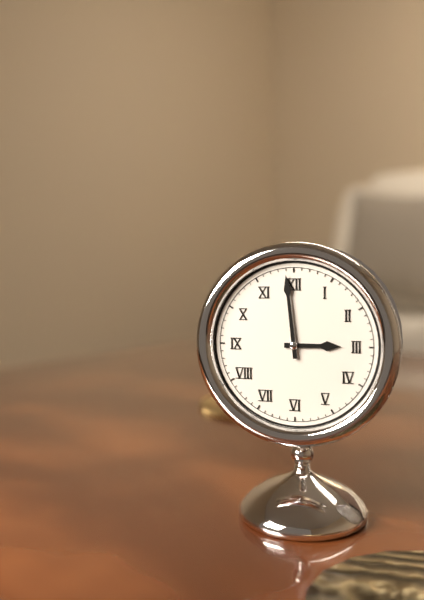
2,59
